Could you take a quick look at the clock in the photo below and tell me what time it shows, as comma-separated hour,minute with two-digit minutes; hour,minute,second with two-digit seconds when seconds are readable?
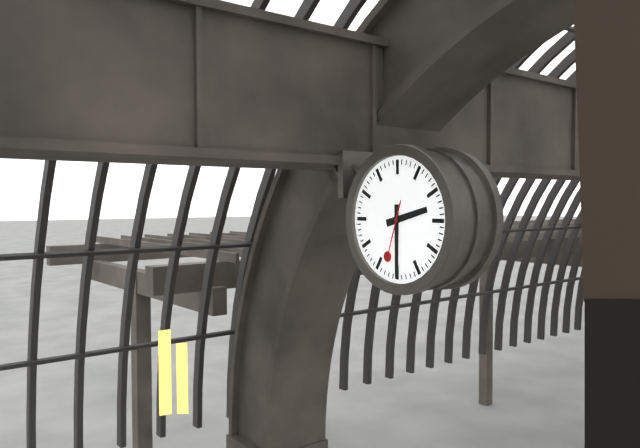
2,30,33
